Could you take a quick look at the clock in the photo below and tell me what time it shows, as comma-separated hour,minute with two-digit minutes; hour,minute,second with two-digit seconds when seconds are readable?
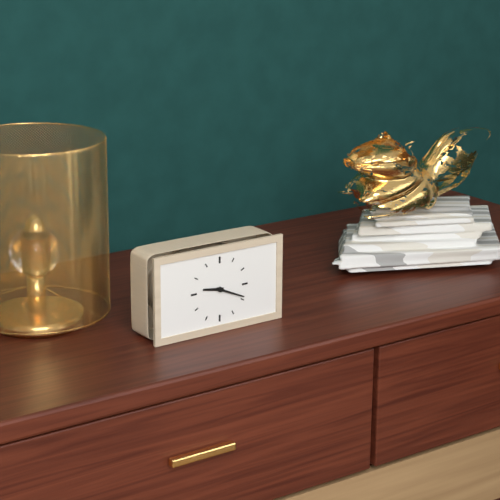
9,19
